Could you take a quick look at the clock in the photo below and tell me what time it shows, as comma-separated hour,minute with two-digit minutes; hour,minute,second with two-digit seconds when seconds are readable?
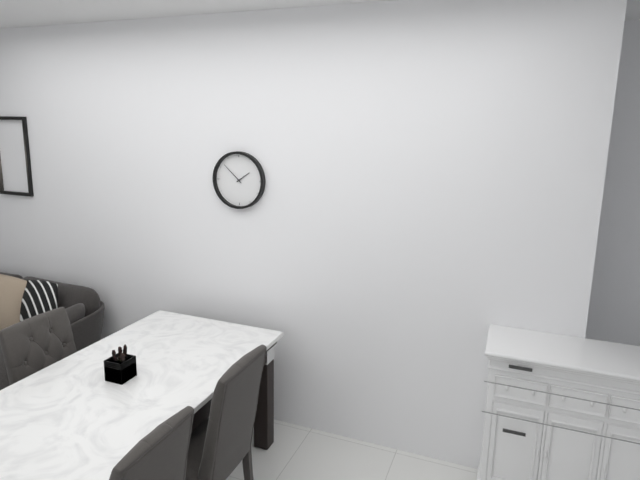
1,52
